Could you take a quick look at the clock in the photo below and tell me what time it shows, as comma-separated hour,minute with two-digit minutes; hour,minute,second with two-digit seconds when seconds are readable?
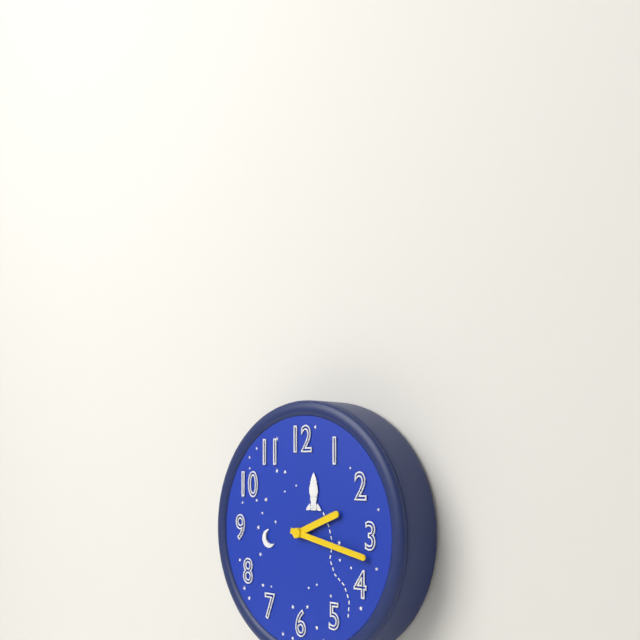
2,17
